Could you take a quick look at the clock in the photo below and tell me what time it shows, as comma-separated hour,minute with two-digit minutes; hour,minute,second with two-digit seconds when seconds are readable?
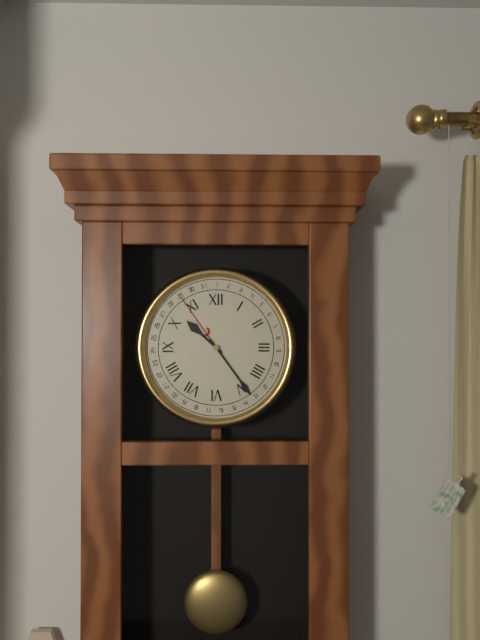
10,24
